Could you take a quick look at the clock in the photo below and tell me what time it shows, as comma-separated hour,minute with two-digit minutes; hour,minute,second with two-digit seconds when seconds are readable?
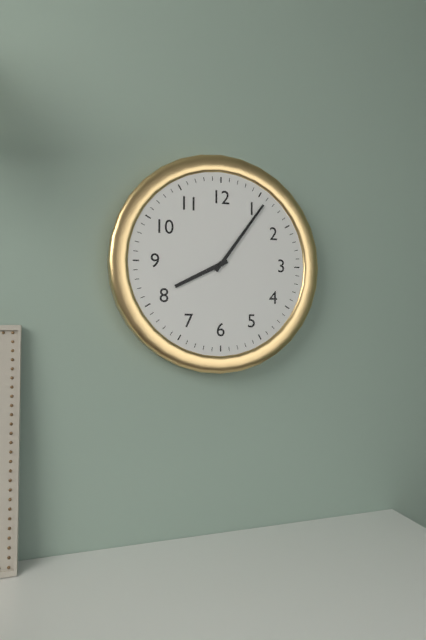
8,06
